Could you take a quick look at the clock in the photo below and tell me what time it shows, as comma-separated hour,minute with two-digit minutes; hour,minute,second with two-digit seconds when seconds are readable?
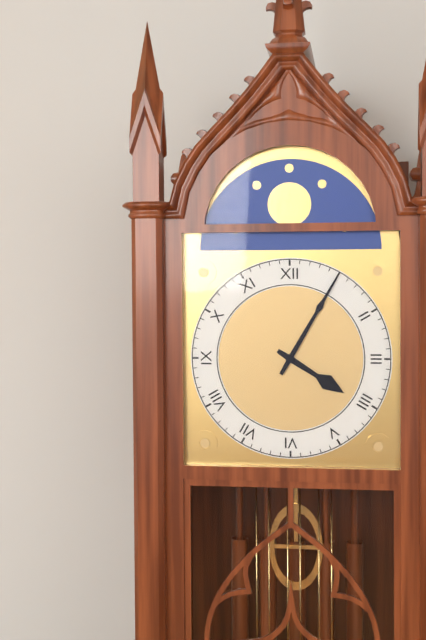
4,05
